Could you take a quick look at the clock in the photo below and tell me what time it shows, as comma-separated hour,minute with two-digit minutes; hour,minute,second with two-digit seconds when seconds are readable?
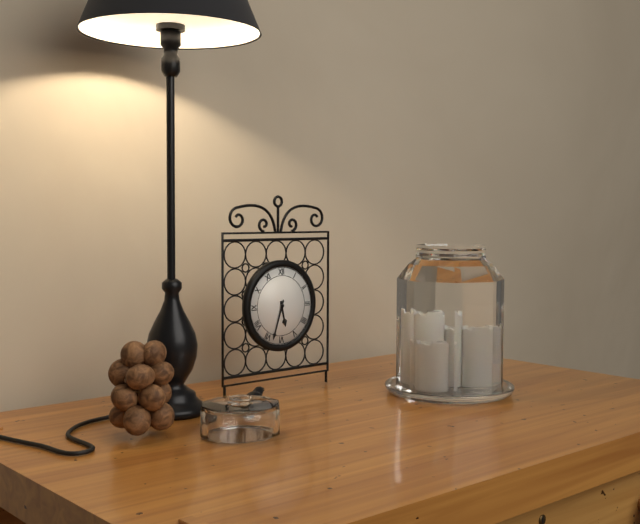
5,33
